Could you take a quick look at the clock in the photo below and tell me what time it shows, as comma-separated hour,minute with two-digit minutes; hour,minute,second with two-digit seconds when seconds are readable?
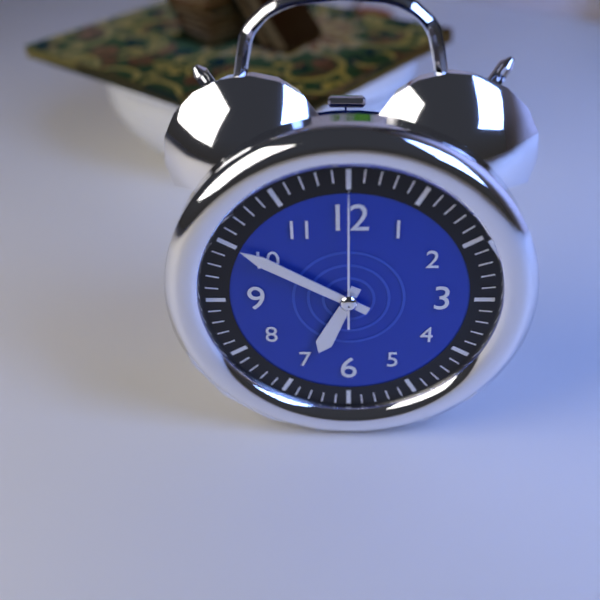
6,50,00
